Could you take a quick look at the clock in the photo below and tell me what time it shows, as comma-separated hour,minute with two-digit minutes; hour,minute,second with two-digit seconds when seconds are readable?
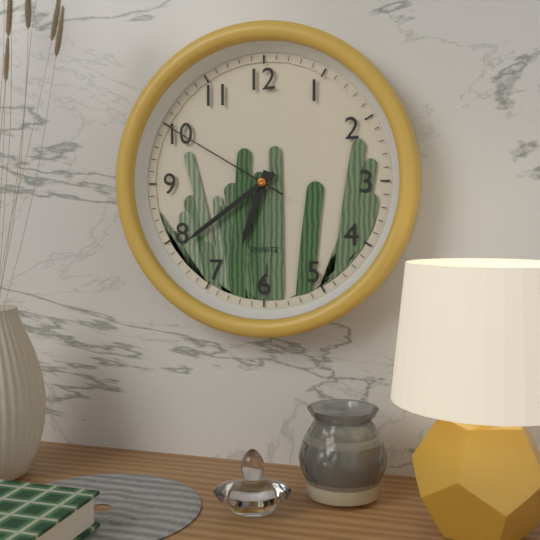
6,39,50
